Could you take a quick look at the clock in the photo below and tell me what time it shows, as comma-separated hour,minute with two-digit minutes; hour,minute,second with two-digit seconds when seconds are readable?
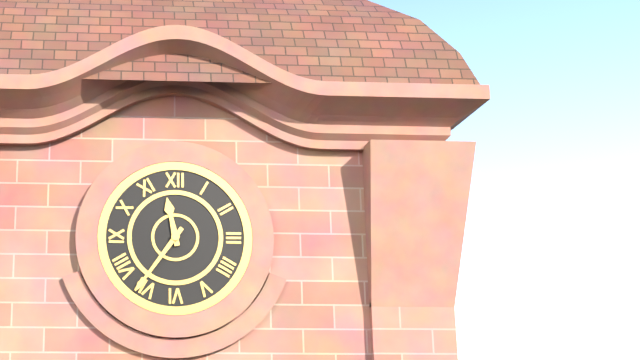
11,36
